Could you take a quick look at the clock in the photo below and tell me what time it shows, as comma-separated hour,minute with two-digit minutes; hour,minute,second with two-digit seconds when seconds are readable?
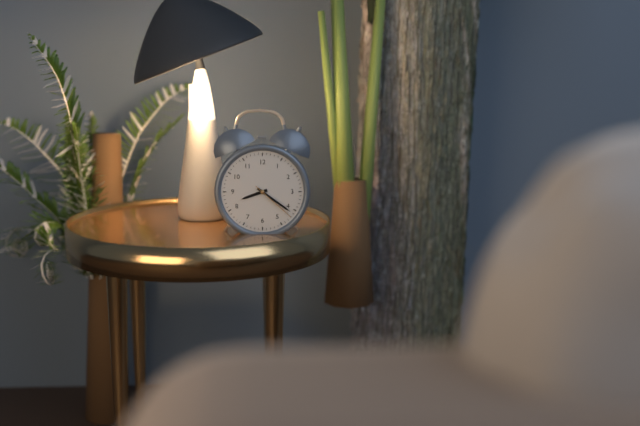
8,21
